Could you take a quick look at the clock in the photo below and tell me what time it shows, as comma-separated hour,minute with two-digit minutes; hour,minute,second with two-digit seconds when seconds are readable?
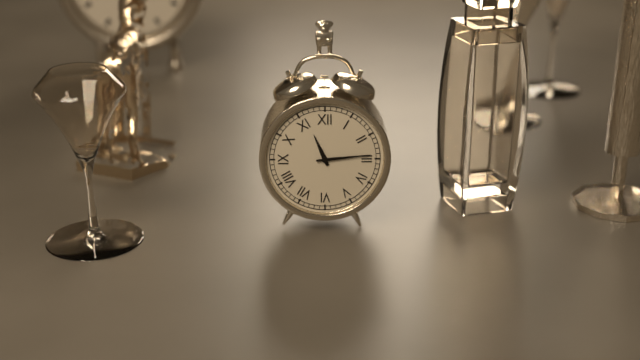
11,14
